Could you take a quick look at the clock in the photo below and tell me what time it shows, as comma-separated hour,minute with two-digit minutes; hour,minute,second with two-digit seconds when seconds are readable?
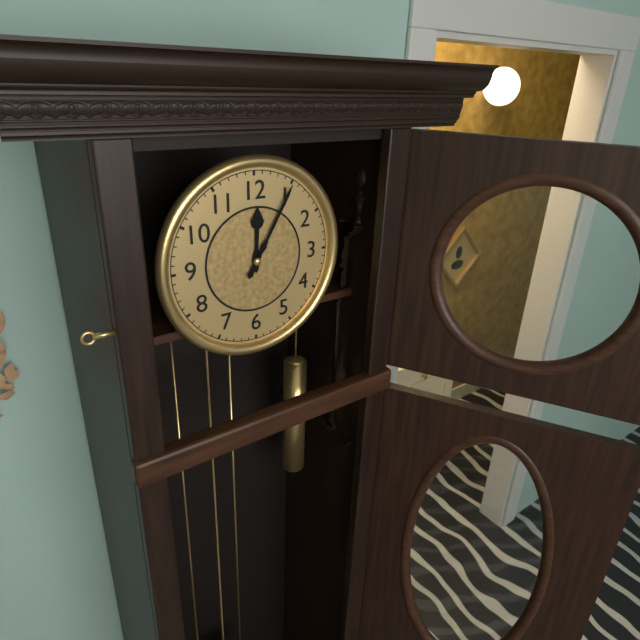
12,05
